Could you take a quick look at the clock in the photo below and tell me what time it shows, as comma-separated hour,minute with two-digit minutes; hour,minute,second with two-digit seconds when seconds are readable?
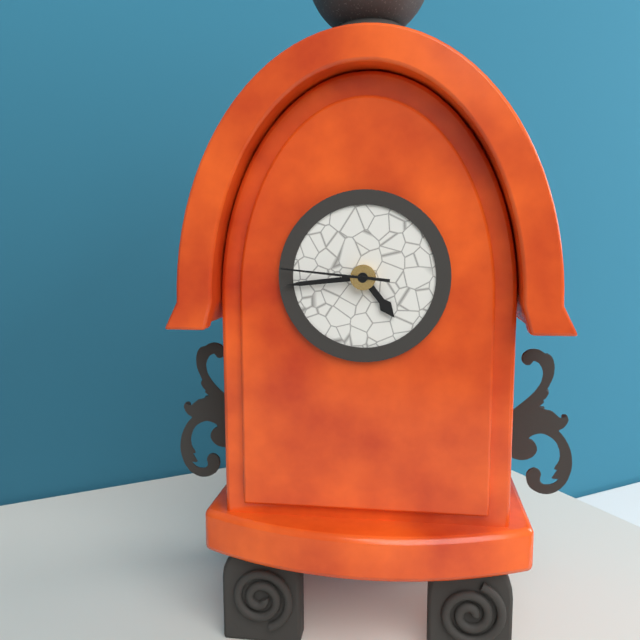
4,44,46
